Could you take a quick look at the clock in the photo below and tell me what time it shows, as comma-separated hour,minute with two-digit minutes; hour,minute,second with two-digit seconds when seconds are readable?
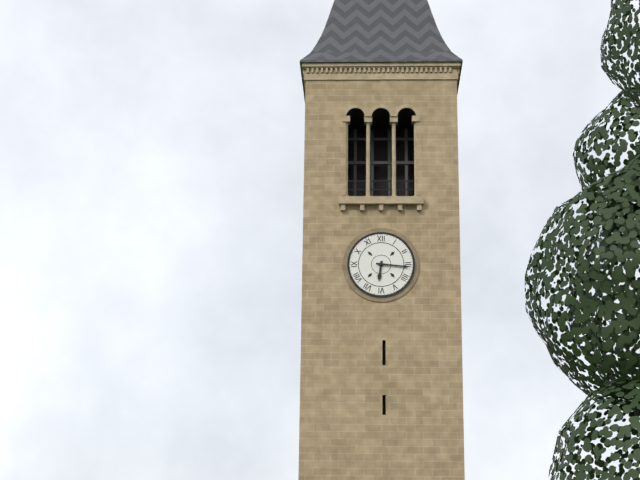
6,16
